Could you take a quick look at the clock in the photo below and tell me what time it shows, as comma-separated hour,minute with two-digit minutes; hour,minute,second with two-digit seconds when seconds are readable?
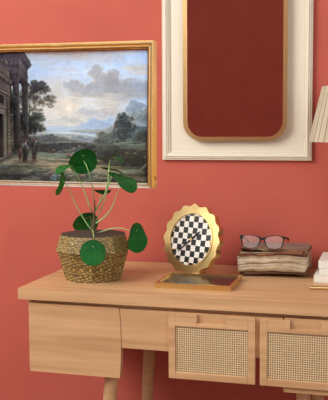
1,38
